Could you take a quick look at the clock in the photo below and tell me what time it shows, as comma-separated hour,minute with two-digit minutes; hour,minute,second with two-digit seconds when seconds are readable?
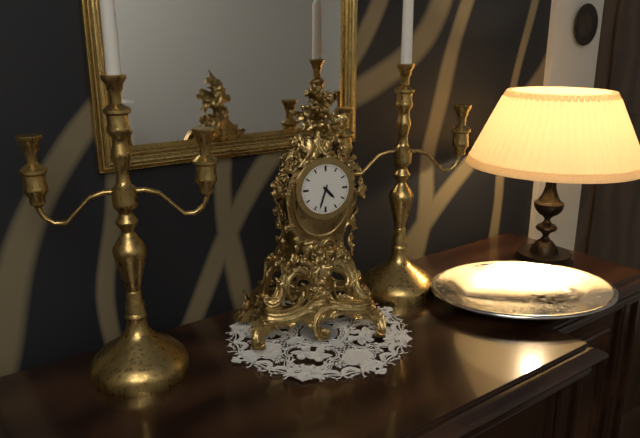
4,33
